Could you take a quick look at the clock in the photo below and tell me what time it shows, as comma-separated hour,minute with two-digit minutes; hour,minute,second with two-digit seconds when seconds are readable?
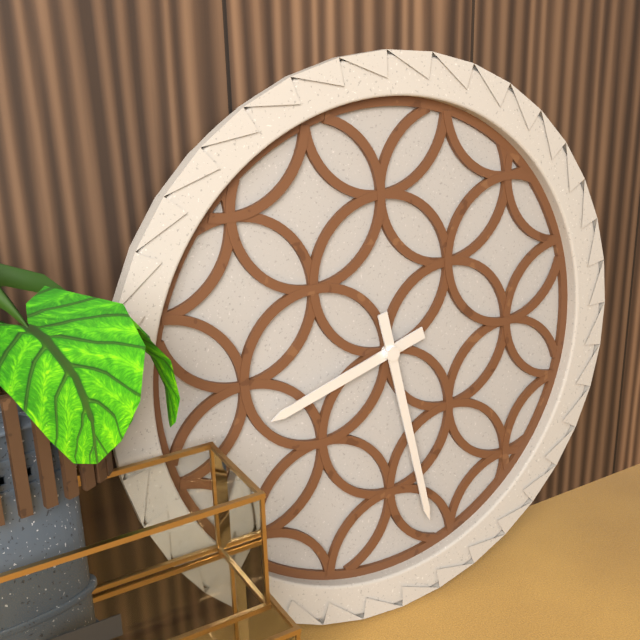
8,28
